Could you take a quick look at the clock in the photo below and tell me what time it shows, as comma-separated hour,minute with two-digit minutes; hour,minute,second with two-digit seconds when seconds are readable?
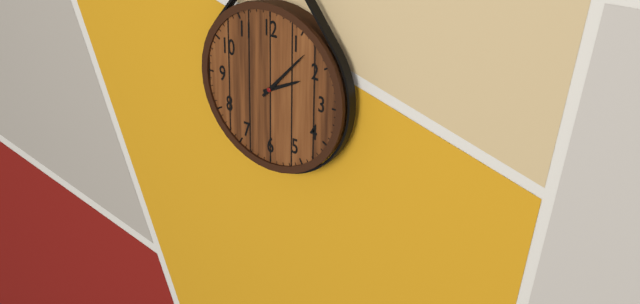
2,07
